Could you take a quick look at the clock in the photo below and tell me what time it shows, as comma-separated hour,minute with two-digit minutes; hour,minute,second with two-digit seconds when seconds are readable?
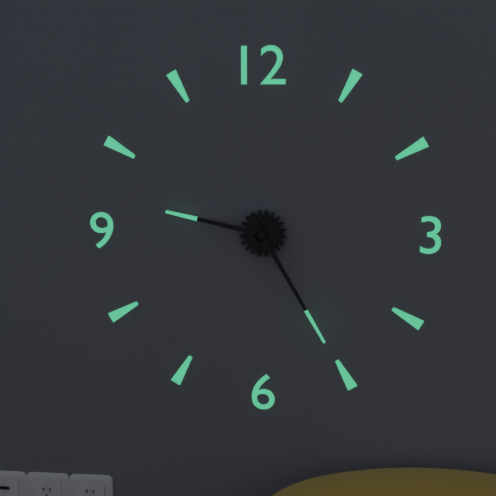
9,25
